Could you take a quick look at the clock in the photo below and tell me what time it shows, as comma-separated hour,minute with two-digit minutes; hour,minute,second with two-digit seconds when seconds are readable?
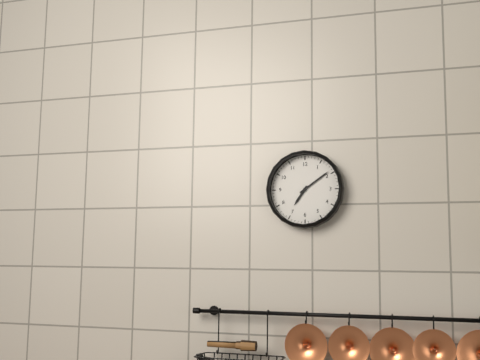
7,09
